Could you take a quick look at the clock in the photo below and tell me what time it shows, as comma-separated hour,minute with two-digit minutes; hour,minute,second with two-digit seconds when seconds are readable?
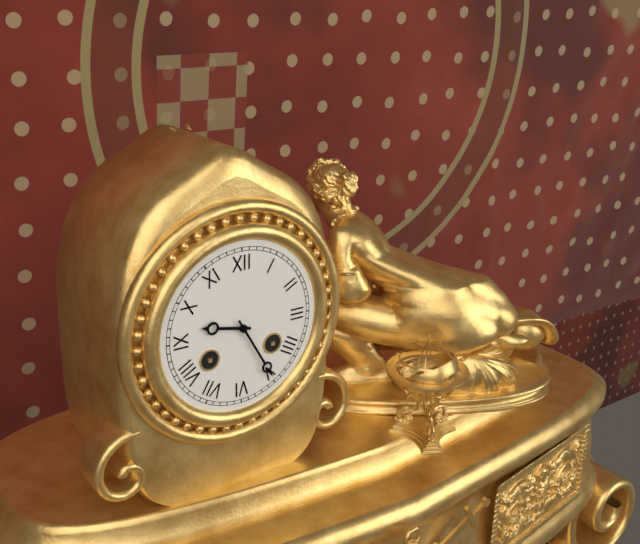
9,25
